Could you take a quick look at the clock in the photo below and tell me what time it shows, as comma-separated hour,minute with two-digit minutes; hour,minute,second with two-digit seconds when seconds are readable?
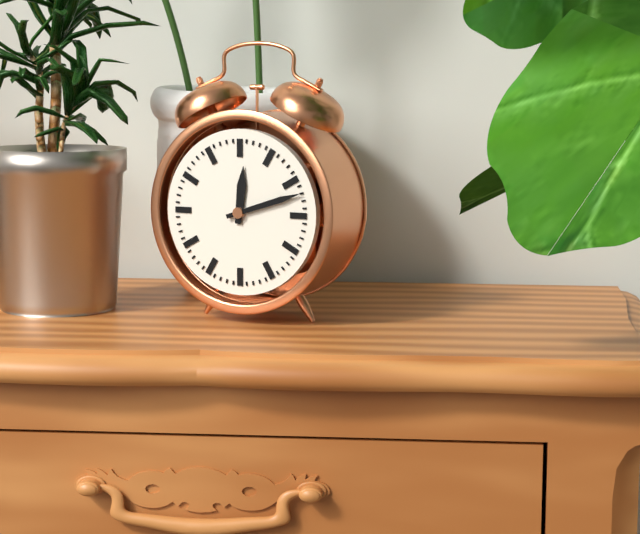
12,12
